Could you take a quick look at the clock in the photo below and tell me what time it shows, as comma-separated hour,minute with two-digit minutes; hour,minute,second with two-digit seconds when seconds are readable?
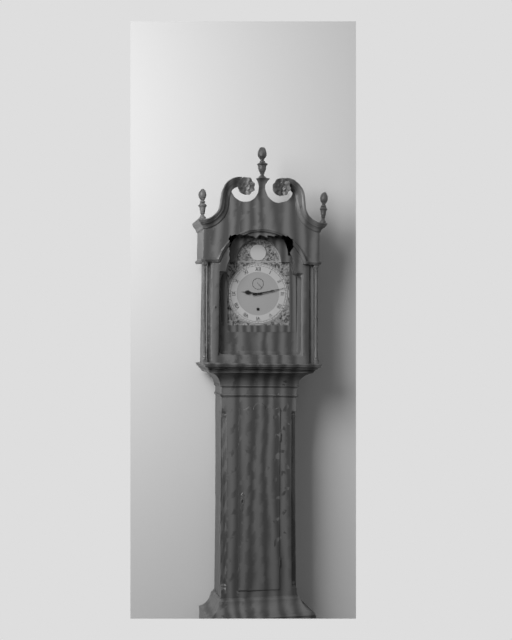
9,13
